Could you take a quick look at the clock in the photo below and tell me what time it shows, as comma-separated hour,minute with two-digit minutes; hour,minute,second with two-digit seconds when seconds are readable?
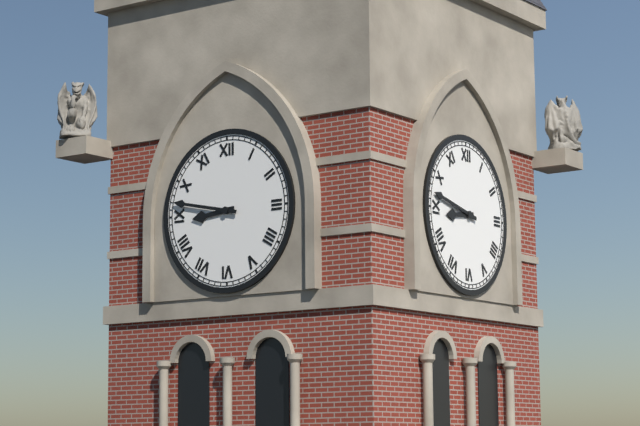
8,47
